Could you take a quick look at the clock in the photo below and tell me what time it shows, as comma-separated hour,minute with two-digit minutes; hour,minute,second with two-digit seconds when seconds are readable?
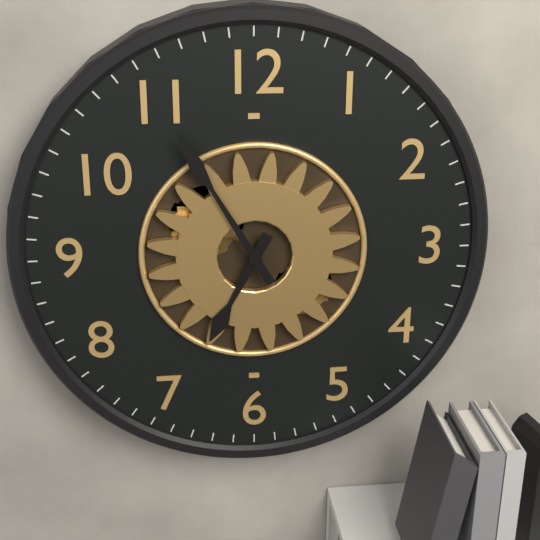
6,55
